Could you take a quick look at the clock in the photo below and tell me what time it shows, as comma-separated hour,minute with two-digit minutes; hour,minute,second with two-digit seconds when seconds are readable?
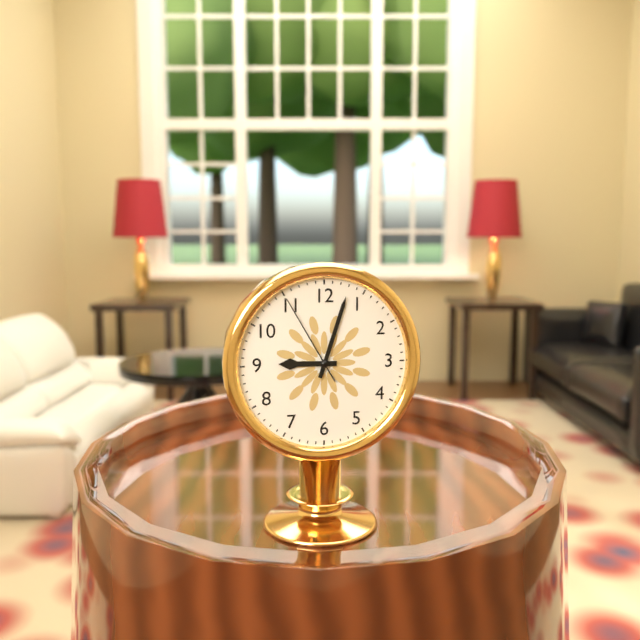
9,03,55
